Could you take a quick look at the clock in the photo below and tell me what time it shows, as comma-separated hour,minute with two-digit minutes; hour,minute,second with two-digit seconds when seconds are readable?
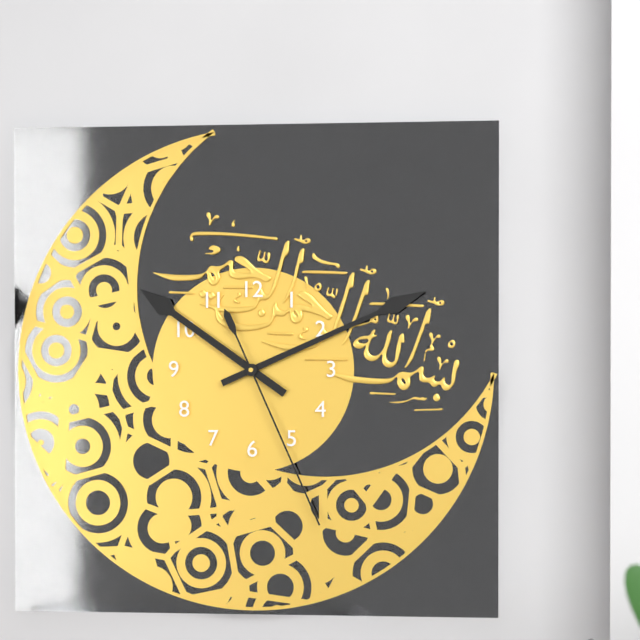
10,11,26
